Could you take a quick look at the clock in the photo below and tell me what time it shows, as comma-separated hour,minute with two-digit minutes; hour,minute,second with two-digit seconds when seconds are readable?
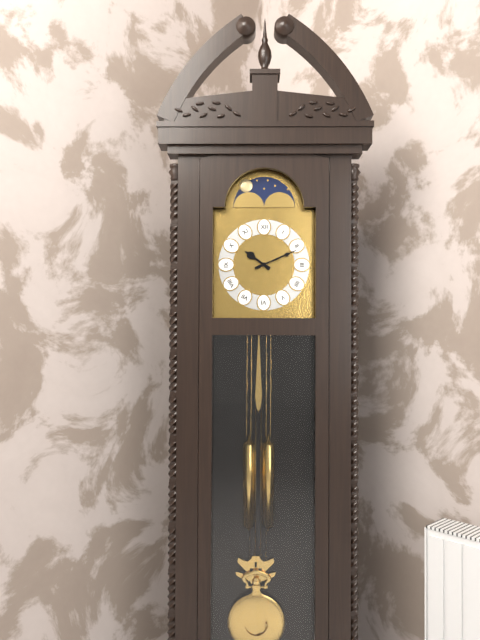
10,11
